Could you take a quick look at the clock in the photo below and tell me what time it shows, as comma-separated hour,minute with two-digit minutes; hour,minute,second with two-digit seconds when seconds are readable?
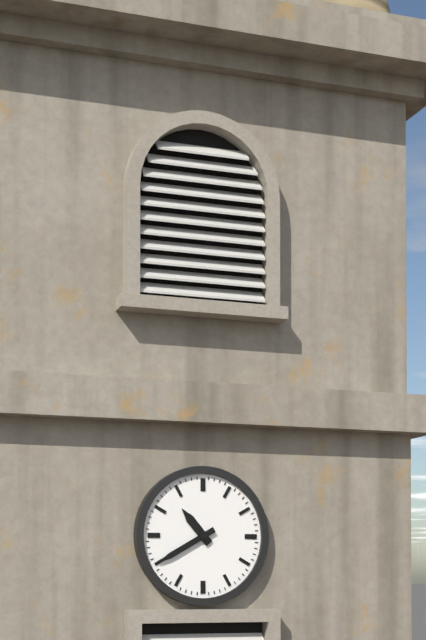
10,40
